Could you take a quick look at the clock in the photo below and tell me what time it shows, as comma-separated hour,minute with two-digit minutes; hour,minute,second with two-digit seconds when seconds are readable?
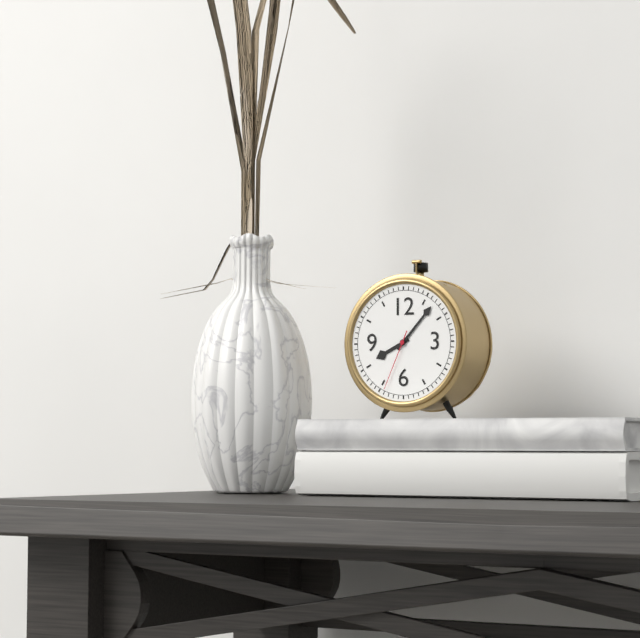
8,07,34
